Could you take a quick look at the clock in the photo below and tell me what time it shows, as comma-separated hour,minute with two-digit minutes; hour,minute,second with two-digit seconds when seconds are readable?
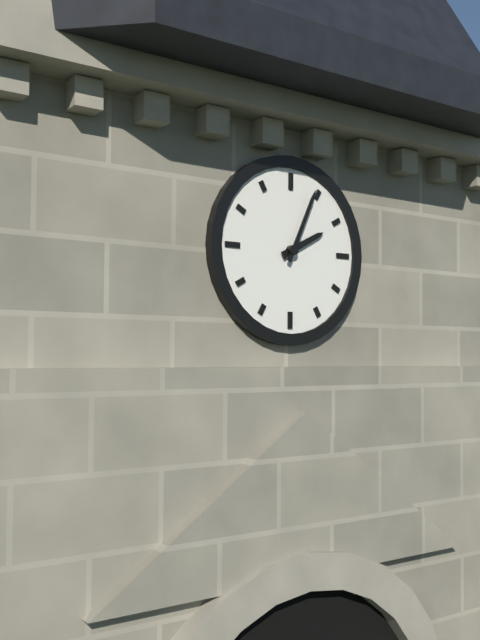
2,04
